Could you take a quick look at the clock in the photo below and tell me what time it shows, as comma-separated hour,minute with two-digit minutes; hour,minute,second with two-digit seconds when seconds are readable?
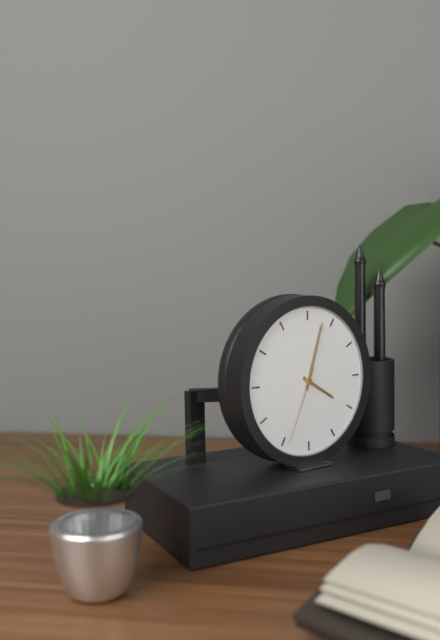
4,03,34
